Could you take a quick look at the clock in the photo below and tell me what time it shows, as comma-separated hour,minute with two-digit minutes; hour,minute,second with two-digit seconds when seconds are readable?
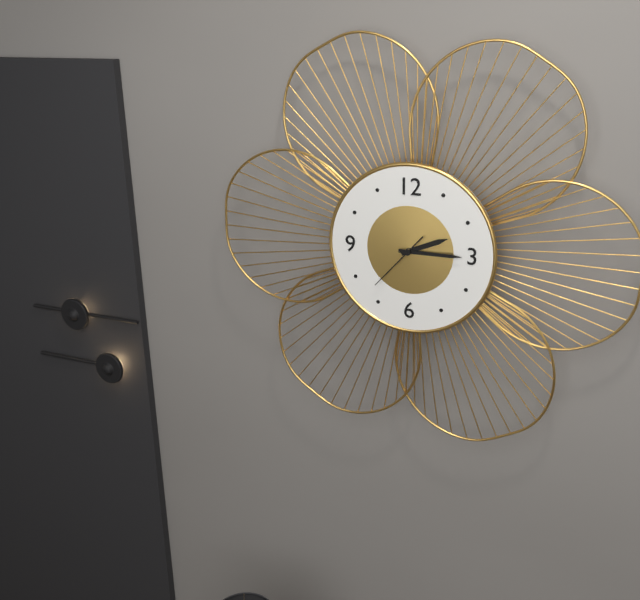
2,15,37
